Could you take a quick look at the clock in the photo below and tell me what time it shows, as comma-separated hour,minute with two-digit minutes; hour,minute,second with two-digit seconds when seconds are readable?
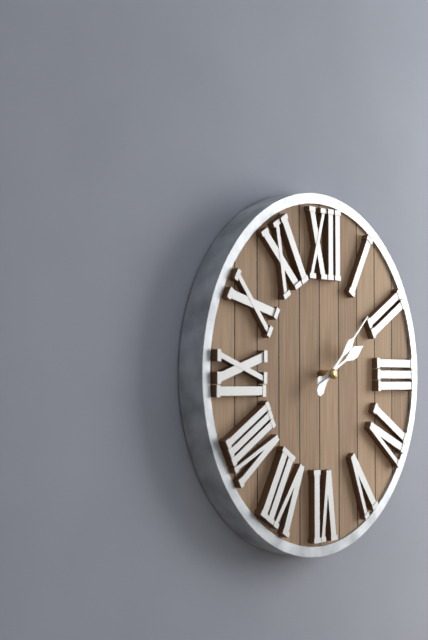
2,08
